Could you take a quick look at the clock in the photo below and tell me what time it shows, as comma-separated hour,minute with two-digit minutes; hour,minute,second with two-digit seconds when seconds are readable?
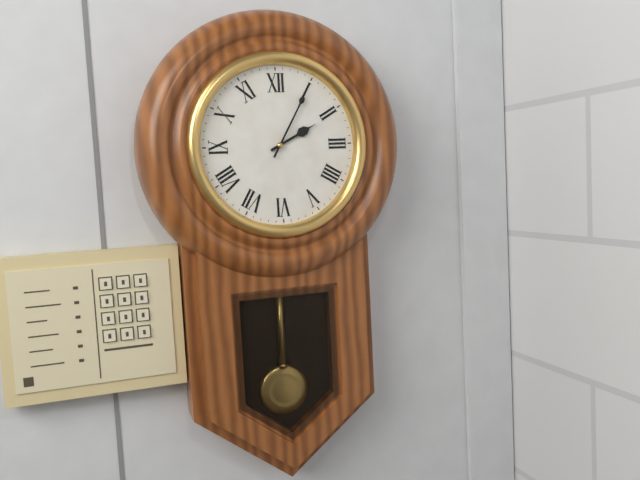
2,05
